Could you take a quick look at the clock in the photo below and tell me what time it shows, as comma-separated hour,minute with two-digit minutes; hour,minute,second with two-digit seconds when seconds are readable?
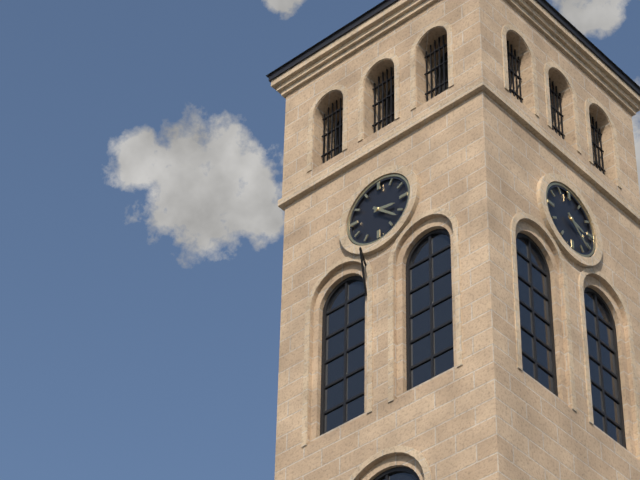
3,22
